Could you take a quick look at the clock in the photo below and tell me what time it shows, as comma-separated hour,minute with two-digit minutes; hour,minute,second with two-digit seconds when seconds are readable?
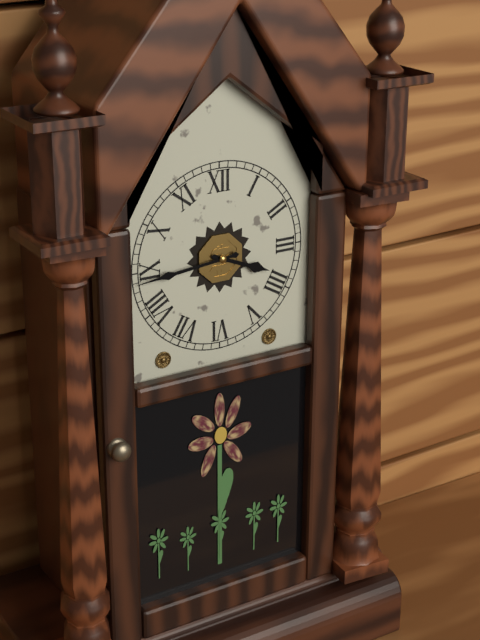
3,44
